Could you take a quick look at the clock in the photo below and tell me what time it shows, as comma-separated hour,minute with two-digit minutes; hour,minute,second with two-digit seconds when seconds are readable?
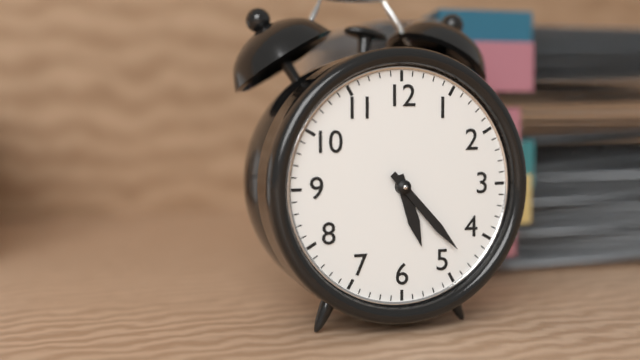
5,23
